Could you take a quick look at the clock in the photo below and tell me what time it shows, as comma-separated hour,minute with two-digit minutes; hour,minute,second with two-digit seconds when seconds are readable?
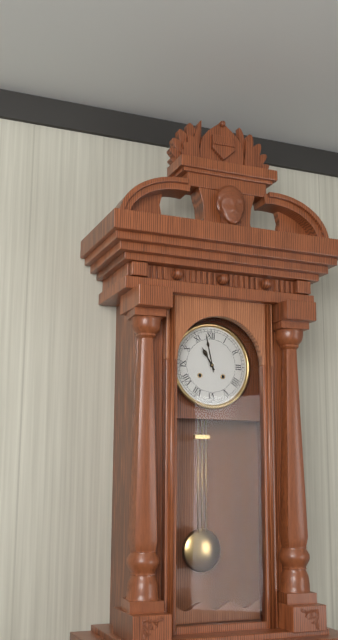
10,58
